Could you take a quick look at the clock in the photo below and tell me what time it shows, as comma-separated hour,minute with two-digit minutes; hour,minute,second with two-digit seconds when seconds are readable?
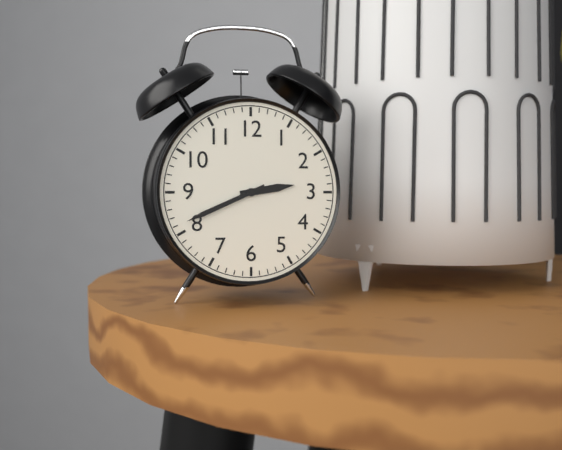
2,41
